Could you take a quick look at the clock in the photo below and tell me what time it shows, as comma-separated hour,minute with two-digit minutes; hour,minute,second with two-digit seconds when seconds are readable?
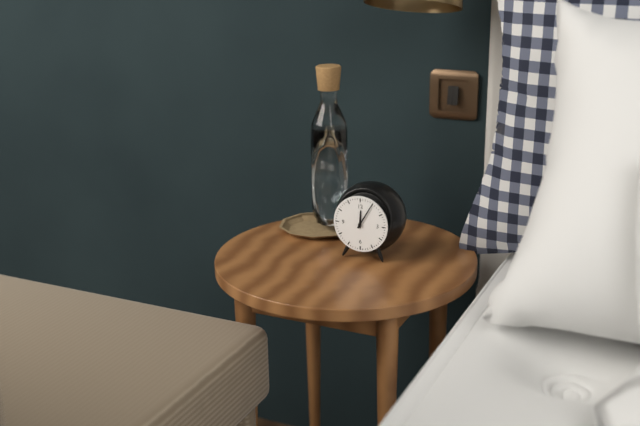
12,05
